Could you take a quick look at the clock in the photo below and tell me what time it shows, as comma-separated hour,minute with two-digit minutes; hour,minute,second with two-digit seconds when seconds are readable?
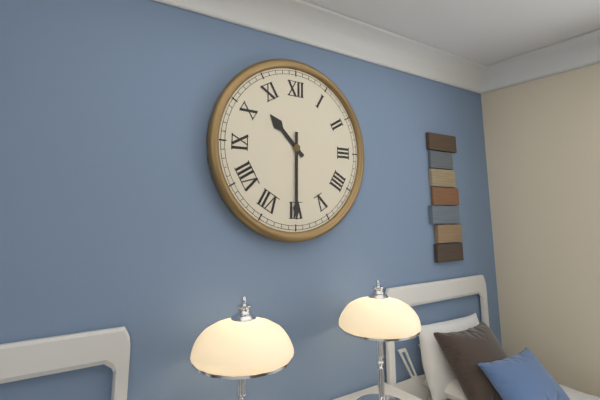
10,30
